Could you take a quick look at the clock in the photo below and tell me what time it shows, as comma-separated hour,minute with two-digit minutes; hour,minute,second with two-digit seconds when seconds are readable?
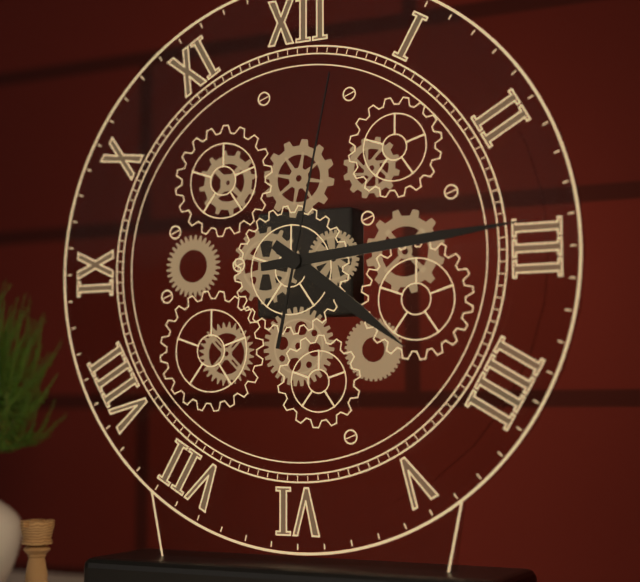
4,14,02
